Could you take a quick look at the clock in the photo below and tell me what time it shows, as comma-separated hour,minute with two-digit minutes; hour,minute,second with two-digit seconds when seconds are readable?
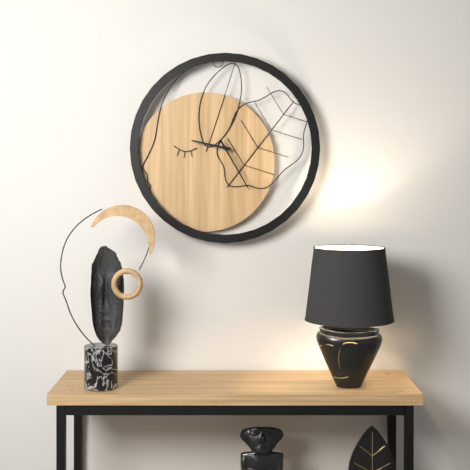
9,25
